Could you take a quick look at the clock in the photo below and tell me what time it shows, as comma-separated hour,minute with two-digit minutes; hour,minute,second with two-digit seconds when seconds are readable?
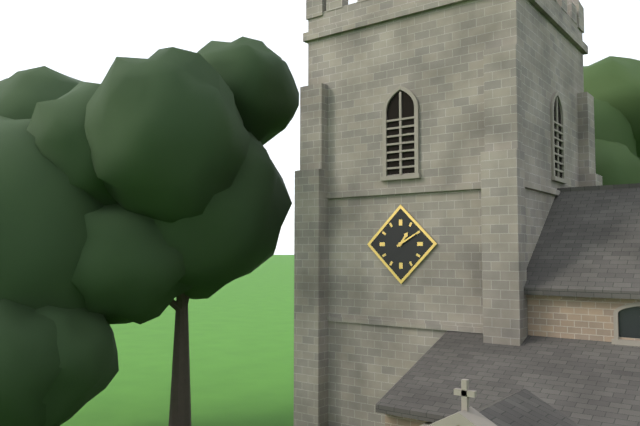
1,10
